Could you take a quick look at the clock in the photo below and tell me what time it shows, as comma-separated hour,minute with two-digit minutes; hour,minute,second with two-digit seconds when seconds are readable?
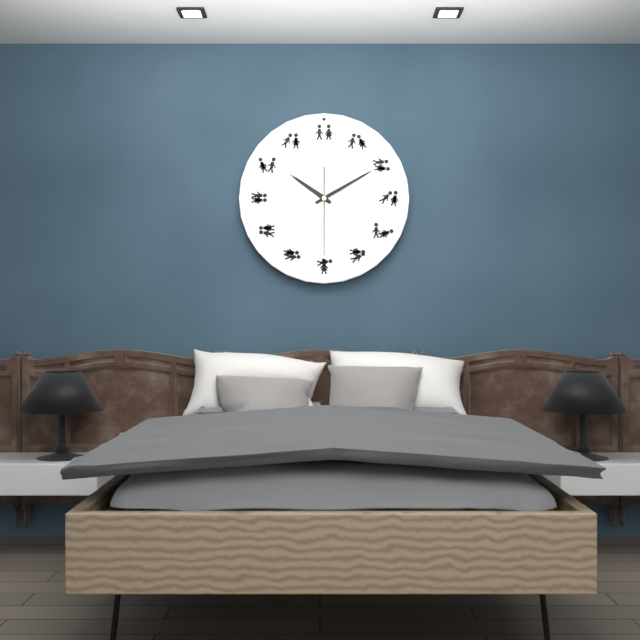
10,10,30
